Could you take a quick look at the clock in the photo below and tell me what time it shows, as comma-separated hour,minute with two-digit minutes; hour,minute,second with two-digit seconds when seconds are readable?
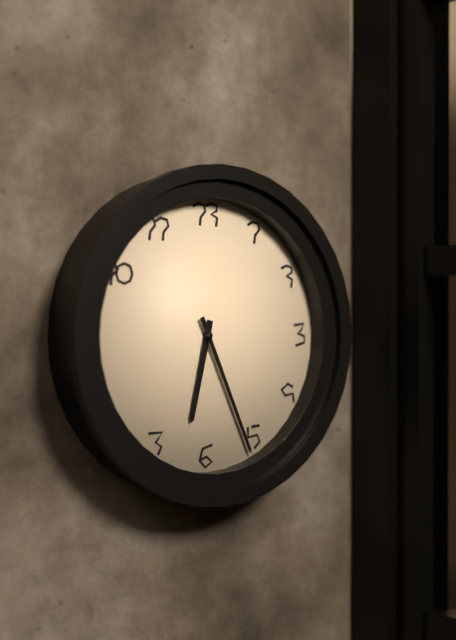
6,26
